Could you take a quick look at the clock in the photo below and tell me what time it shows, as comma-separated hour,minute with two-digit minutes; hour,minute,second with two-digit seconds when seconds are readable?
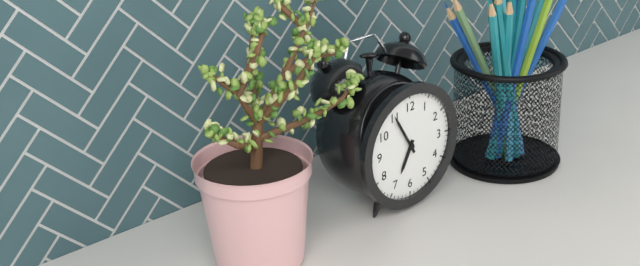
6,55
